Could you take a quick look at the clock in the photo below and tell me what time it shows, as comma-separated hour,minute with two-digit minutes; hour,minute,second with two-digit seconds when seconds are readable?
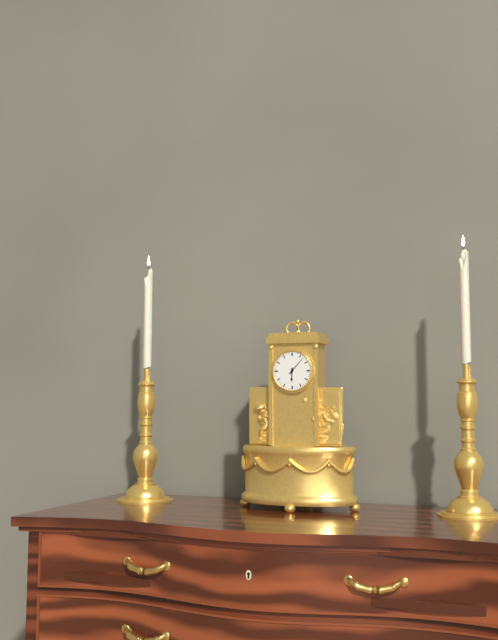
6,07
